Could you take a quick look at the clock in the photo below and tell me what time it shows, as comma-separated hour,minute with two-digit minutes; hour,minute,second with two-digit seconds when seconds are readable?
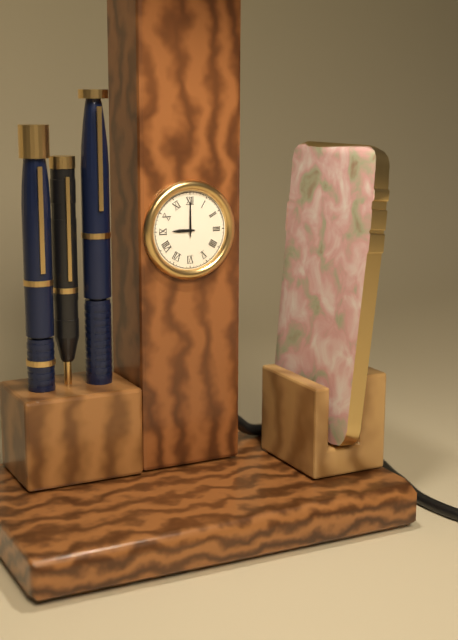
9,00
